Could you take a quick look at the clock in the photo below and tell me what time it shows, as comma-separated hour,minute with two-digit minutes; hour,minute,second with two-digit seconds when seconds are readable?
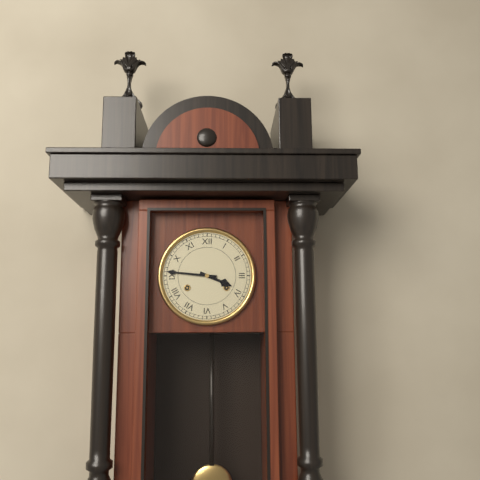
3,46
